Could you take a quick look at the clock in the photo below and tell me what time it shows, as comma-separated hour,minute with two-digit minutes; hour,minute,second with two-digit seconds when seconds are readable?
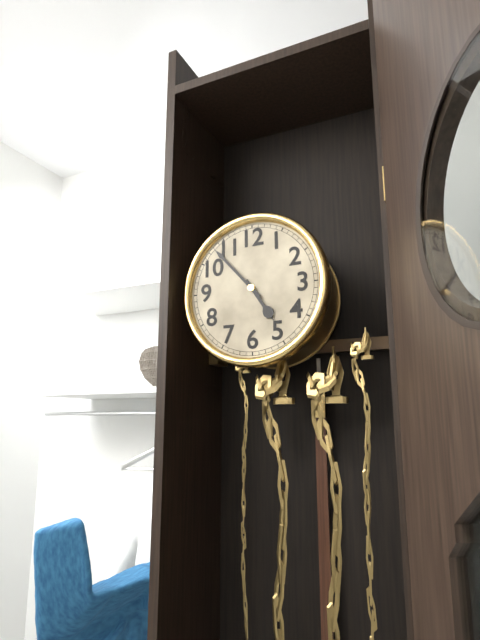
4,53
